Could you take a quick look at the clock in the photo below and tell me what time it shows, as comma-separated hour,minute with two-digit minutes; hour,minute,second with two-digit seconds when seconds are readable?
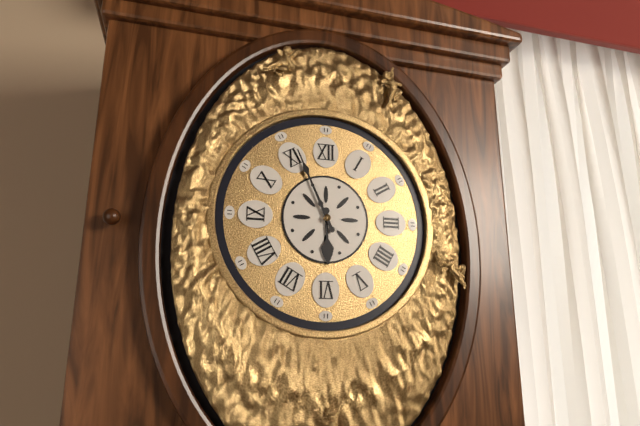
5,56
